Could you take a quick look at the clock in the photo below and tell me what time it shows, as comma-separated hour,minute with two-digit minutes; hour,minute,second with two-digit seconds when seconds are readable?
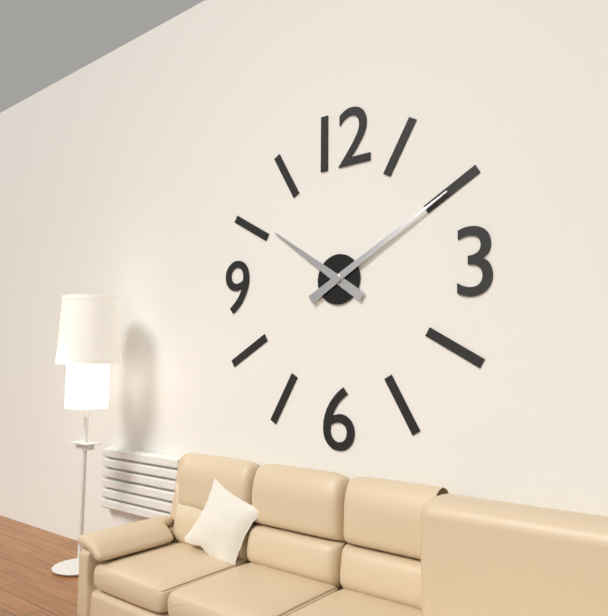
10,10
